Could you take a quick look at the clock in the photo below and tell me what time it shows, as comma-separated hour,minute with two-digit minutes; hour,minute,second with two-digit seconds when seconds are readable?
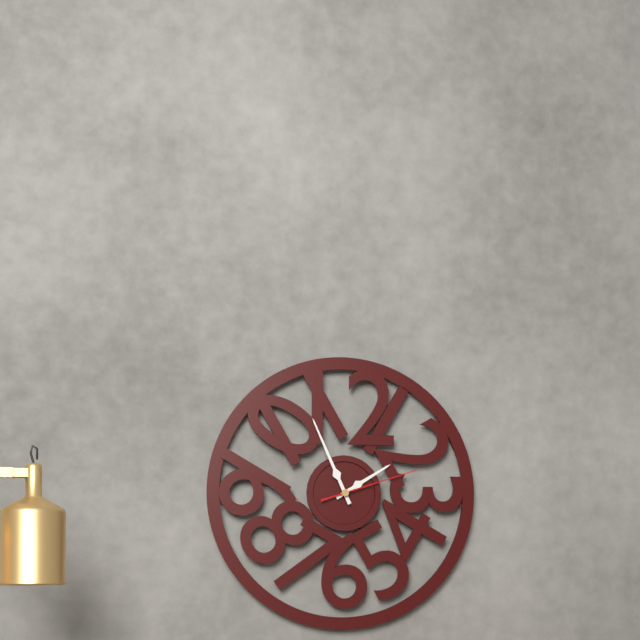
1,56,12
